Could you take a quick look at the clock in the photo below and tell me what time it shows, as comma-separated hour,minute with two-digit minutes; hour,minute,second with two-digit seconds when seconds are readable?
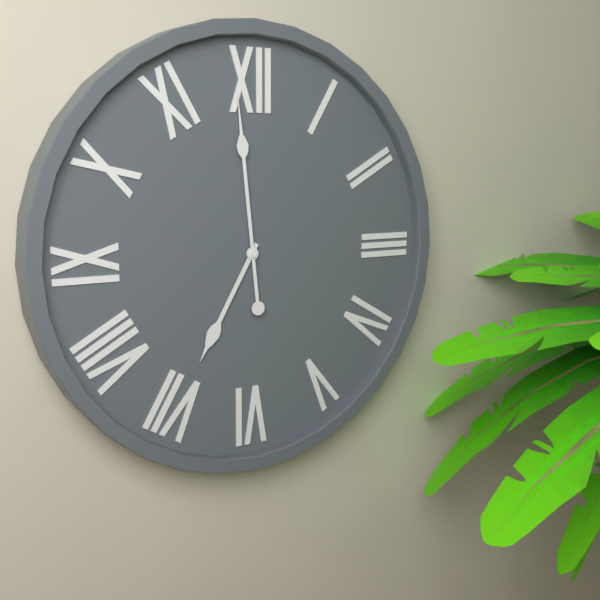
6,59
